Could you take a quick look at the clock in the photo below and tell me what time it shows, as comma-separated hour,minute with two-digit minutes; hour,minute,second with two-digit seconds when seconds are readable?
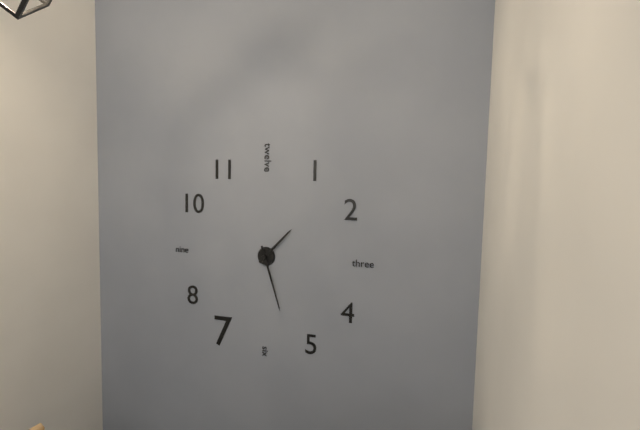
1,27
